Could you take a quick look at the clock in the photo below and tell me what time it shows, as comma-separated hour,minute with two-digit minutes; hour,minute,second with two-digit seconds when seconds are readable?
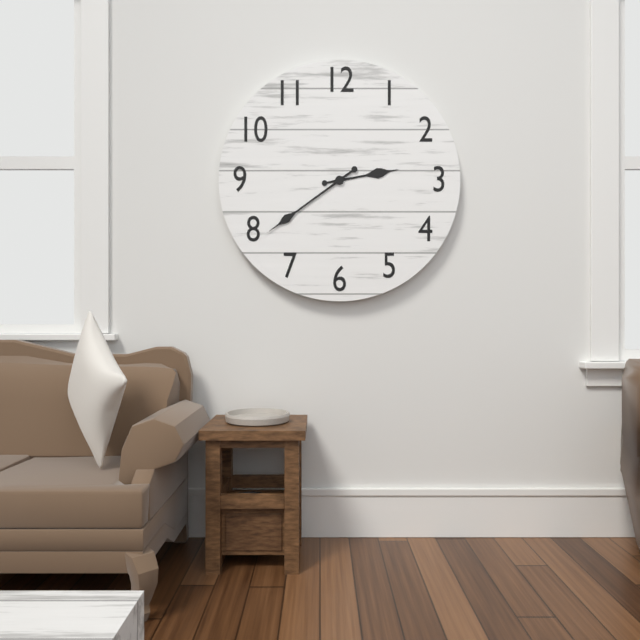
2,39
